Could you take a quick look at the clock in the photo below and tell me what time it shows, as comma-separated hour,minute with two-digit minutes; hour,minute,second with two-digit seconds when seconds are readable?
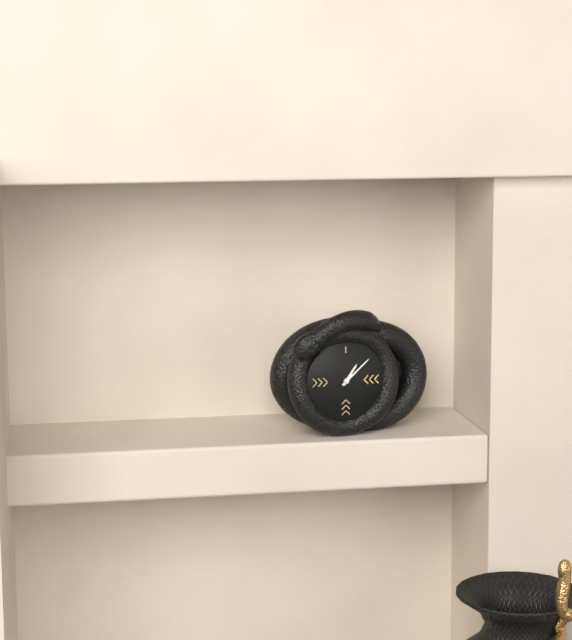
1,08
